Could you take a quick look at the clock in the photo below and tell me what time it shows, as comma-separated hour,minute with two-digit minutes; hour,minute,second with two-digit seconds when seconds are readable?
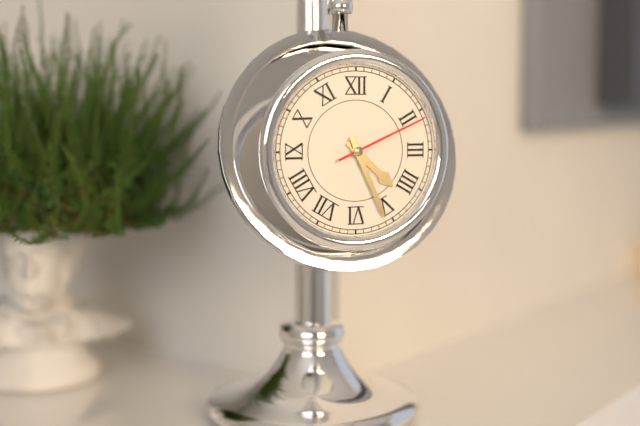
4,26,11
